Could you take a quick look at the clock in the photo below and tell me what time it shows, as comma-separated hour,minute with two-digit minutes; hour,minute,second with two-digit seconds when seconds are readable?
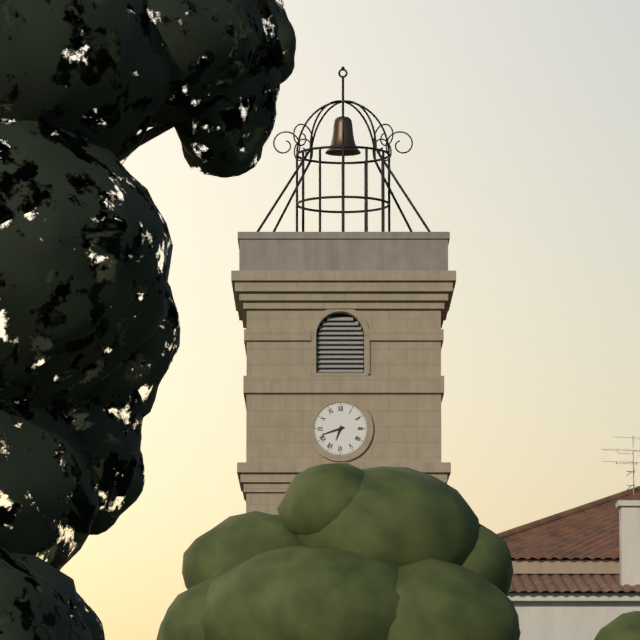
6,42
